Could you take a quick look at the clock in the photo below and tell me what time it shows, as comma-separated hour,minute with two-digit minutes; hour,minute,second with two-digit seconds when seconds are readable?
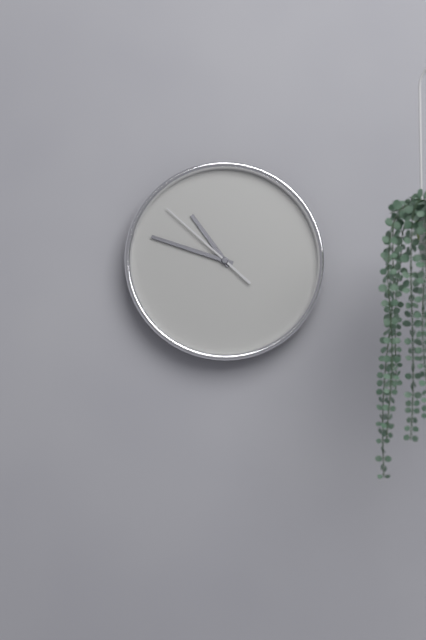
10,48,52
